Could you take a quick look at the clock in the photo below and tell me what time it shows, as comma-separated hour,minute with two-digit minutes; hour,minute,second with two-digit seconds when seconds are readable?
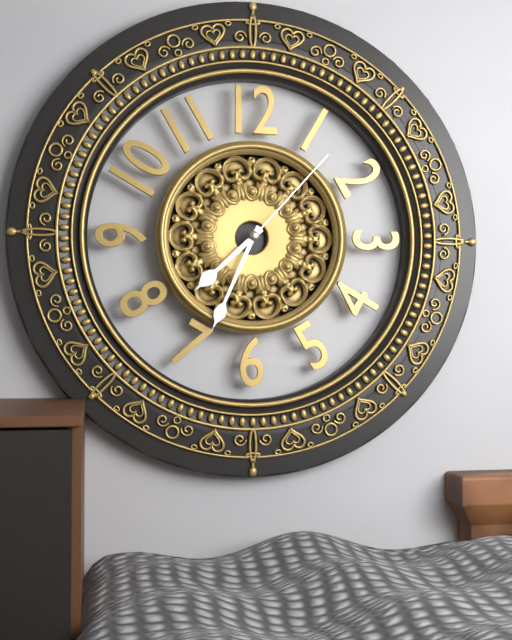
7,34,07
